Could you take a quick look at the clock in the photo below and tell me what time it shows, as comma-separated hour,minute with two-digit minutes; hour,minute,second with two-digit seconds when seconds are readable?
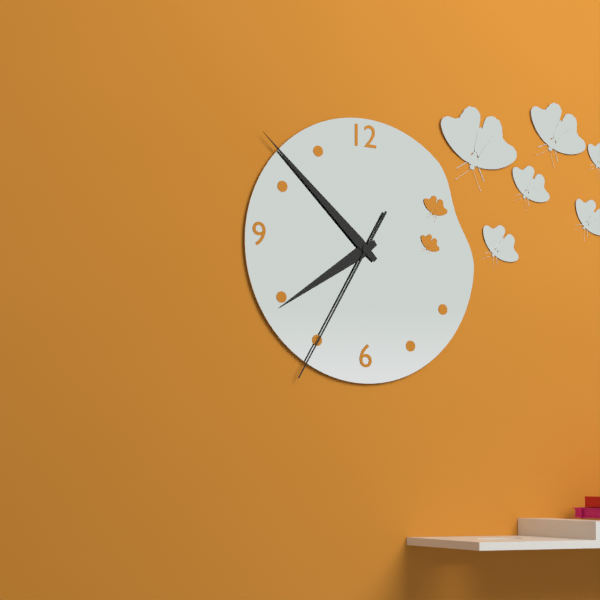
7,52,35
